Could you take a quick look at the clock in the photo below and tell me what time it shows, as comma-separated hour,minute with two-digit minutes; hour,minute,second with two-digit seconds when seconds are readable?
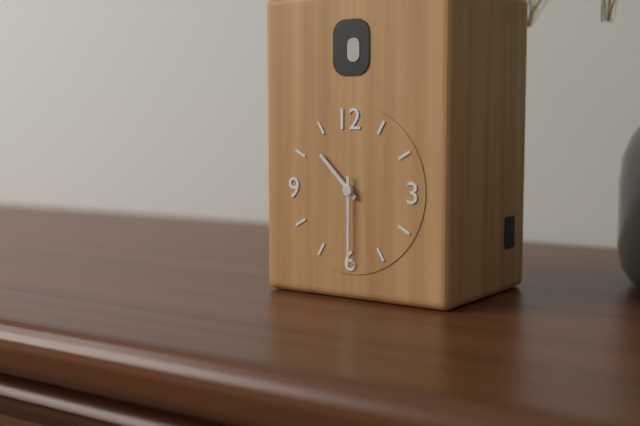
10,30
